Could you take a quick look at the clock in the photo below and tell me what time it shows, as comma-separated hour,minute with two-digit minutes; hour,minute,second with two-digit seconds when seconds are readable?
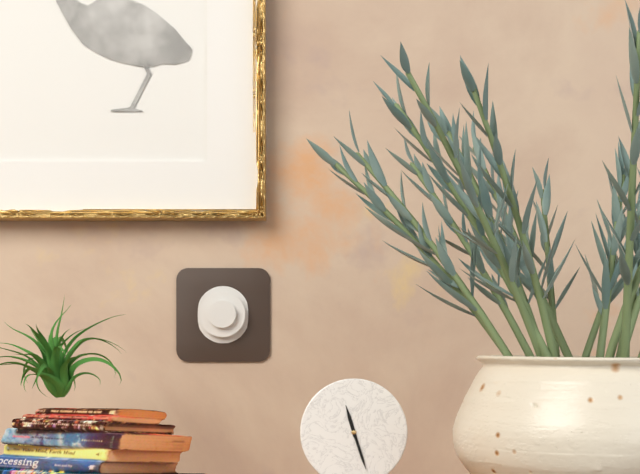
11,27
